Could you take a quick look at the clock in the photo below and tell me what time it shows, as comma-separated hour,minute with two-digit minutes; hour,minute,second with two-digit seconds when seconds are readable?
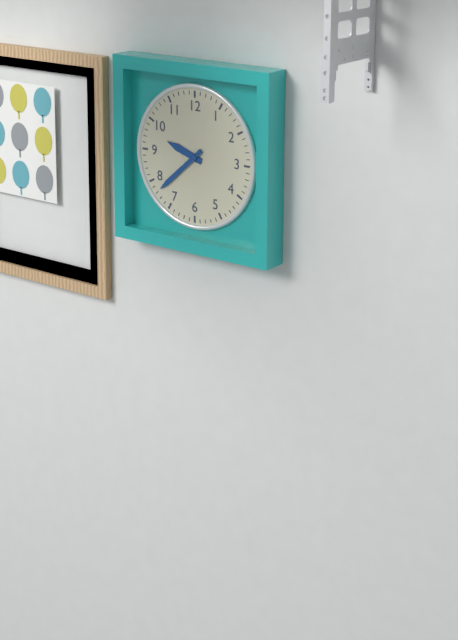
9,38
